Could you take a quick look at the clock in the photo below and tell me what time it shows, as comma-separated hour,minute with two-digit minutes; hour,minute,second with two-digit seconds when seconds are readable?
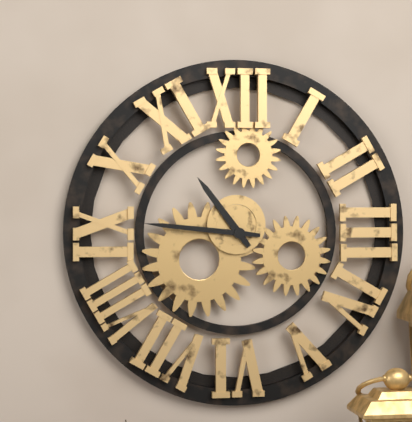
10,46
